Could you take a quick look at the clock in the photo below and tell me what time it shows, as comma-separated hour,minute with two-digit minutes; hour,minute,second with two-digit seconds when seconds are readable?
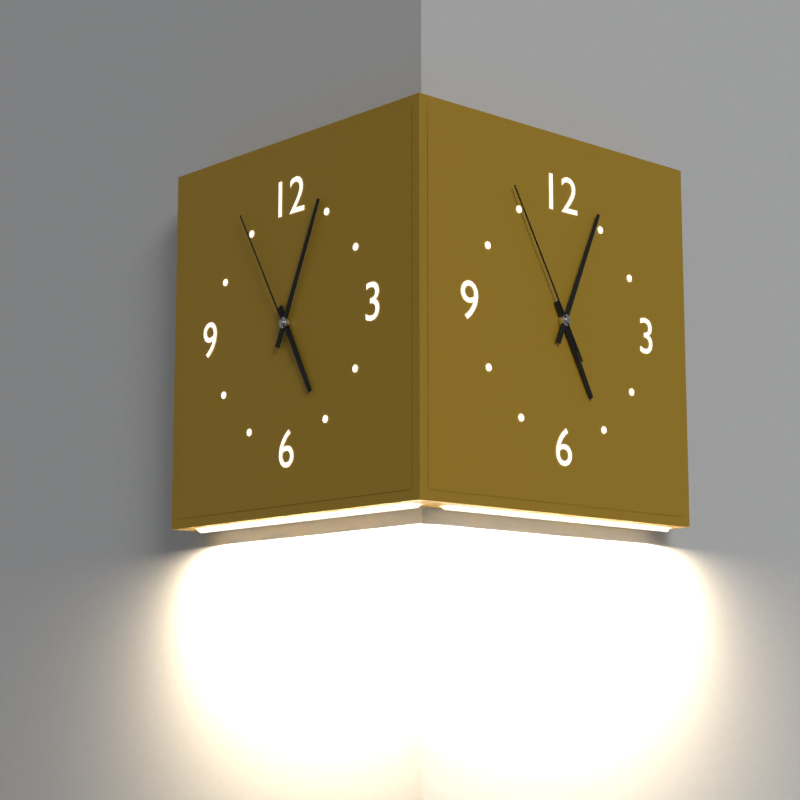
5,04,55
